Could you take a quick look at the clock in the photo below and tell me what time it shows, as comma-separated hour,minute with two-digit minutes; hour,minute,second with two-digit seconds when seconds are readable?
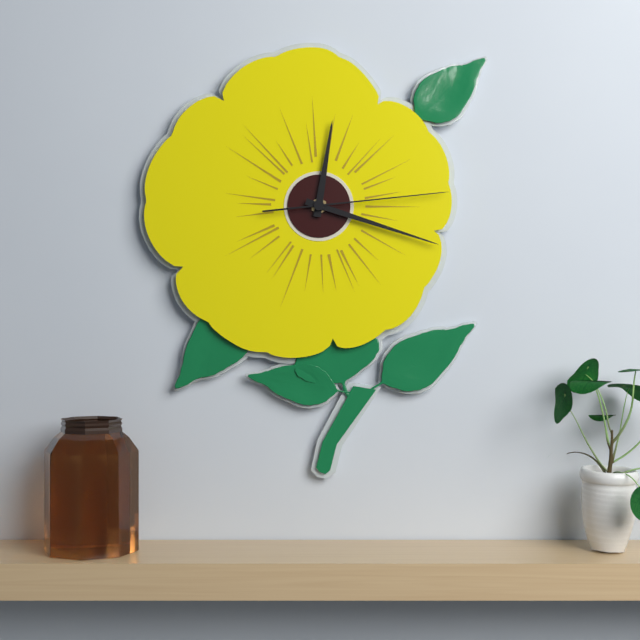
12,18,14
